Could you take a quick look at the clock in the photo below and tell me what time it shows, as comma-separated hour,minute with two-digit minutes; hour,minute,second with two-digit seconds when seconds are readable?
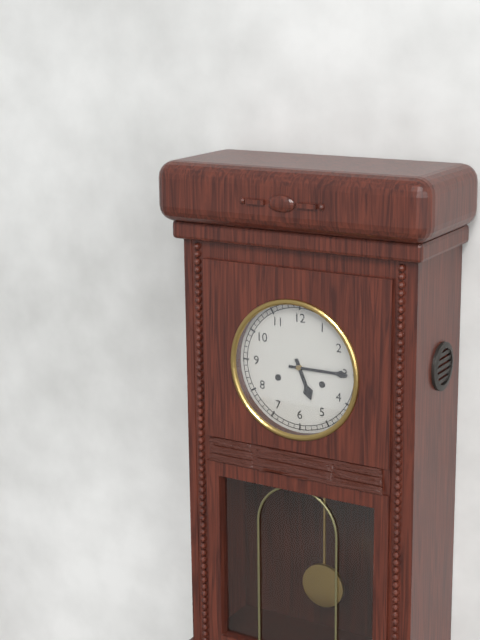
5,15
